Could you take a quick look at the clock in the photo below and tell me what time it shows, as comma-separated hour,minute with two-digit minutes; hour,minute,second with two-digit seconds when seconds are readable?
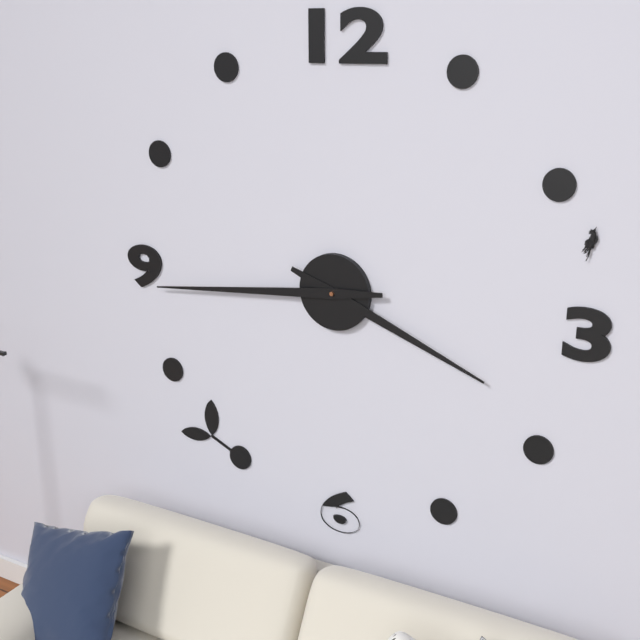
3,44
